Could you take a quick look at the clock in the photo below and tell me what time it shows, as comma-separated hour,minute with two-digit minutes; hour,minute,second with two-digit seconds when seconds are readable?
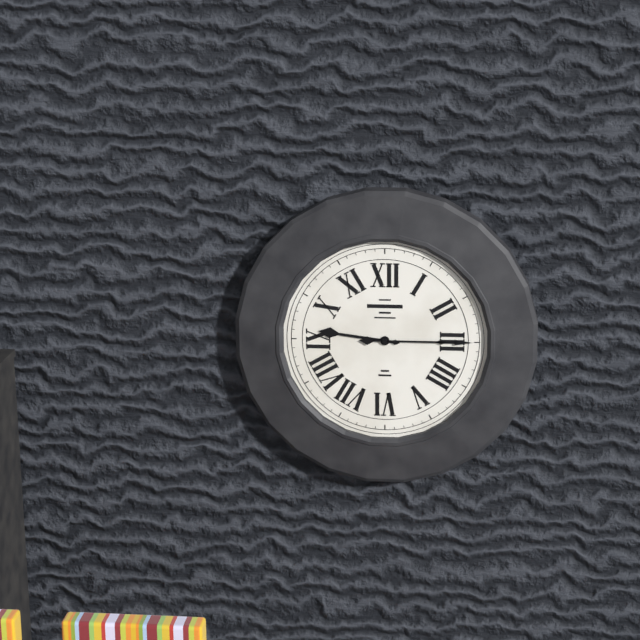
9,15
